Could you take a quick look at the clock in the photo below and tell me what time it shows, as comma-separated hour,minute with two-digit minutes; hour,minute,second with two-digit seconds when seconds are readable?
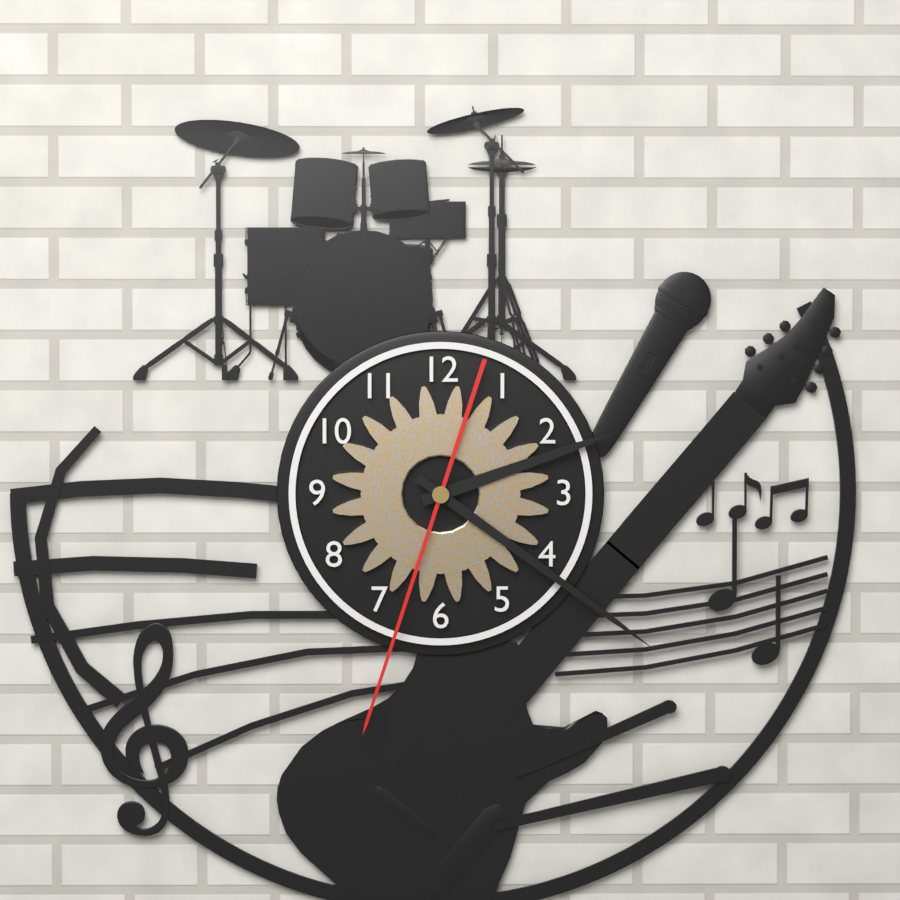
2,21,33
